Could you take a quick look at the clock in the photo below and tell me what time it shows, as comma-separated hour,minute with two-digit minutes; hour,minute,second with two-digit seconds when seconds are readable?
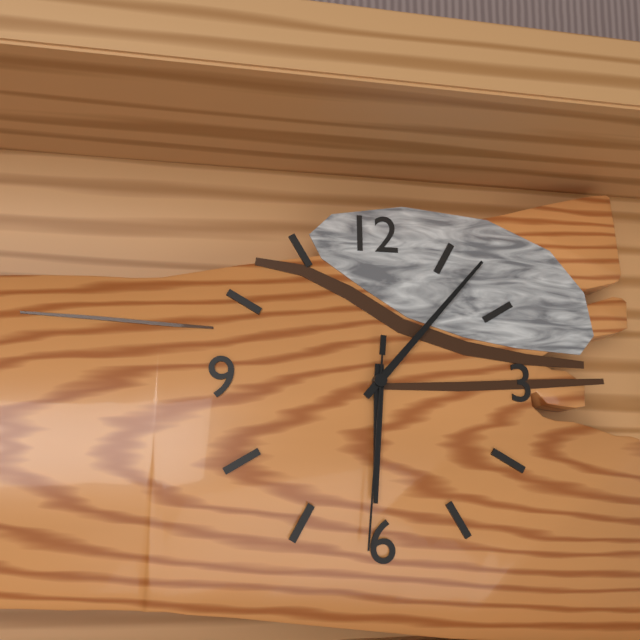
6,07,31
